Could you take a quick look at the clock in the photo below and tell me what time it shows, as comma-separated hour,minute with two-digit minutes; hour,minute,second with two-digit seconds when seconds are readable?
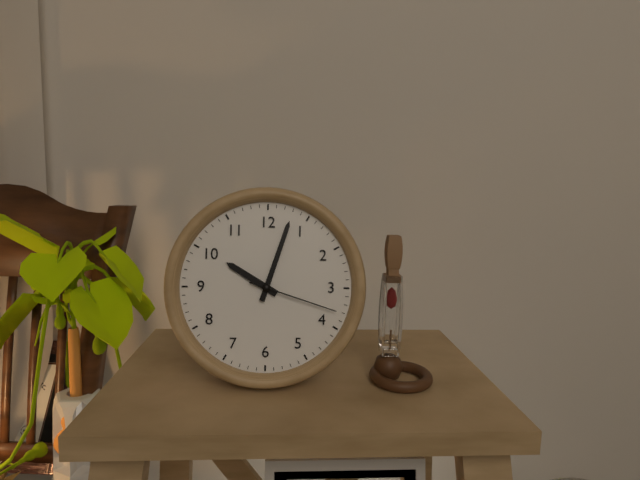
10,03,18
